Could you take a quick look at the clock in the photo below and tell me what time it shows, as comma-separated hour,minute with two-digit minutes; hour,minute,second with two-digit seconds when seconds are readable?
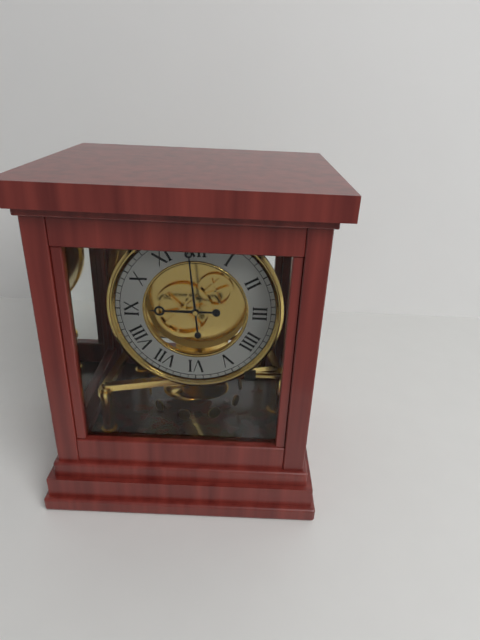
8,59
